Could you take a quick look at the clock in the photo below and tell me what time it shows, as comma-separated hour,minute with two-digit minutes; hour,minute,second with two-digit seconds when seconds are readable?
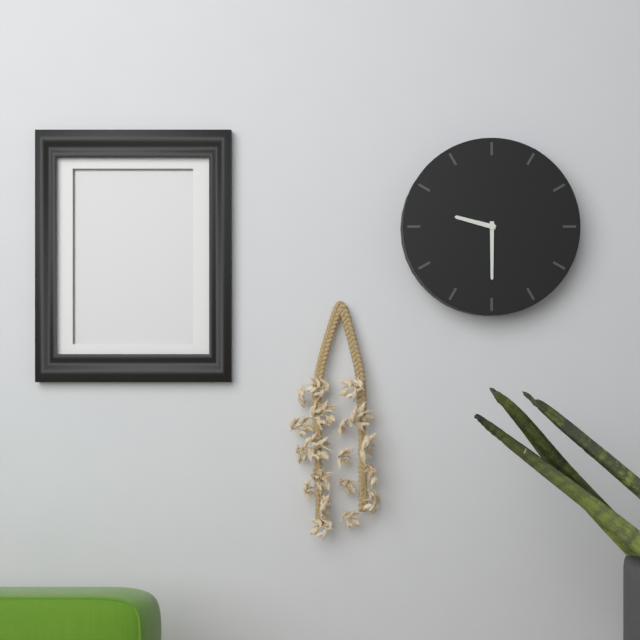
9,30
